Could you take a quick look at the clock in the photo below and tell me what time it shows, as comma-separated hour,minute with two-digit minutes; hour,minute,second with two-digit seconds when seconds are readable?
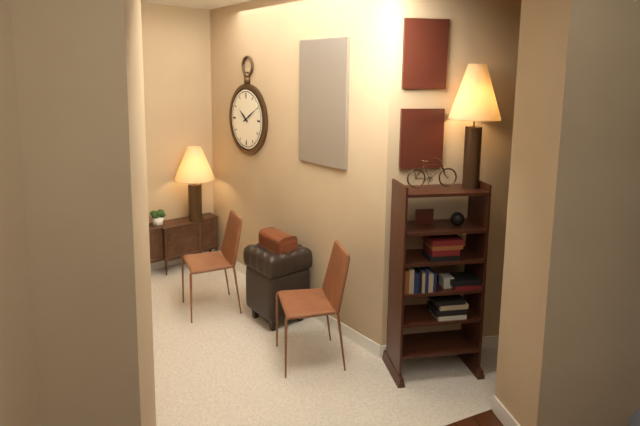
10,10
